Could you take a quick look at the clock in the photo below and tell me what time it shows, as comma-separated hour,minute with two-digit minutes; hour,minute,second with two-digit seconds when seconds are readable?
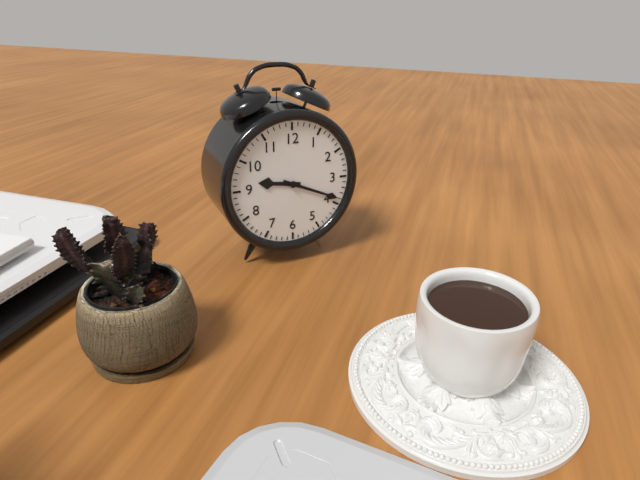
9,19
